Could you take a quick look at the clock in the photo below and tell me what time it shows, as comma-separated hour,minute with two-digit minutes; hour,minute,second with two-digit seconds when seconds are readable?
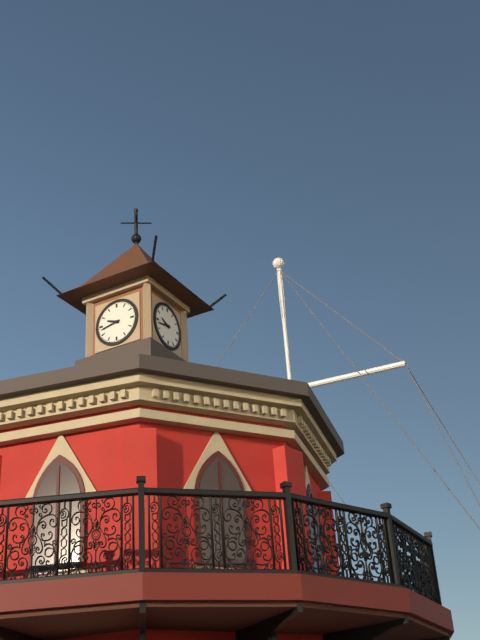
9,43
